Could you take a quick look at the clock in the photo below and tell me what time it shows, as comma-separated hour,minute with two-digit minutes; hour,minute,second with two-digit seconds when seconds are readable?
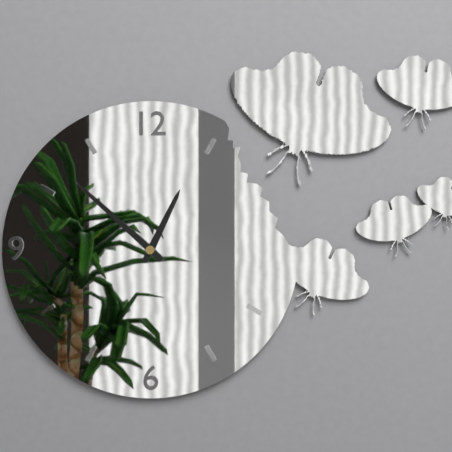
12,52
